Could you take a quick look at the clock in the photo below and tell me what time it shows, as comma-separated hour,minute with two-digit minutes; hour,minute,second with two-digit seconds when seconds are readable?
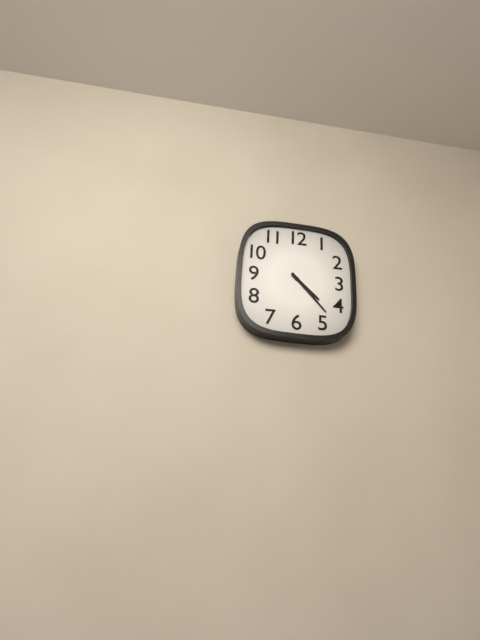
4,23
